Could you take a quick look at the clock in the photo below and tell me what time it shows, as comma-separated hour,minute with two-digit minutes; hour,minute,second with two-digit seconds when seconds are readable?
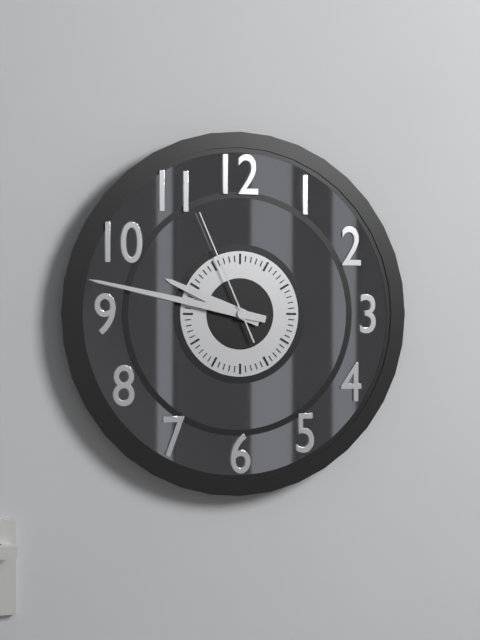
9,47,56
